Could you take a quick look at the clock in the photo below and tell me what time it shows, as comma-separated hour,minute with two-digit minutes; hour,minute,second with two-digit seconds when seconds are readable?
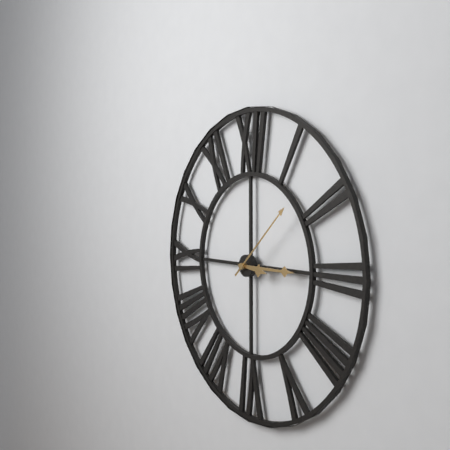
3,15,08
